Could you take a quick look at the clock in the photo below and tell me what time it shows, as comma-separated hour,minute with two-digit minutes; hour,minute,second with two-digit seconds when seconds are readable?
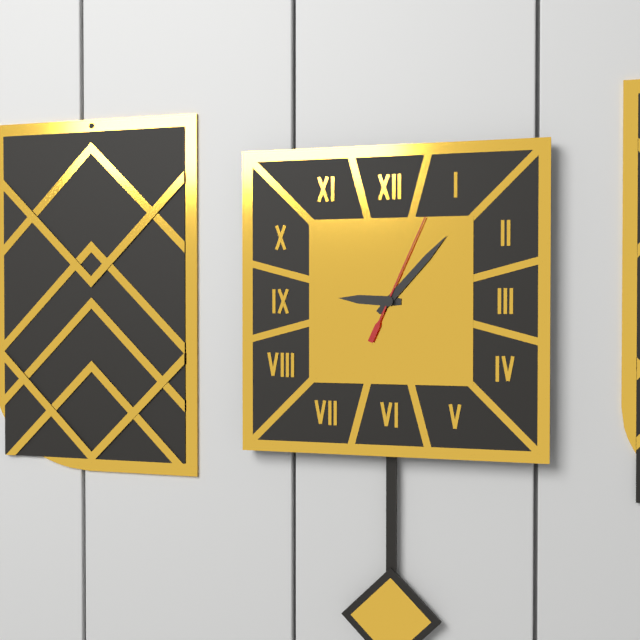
9,07,04
